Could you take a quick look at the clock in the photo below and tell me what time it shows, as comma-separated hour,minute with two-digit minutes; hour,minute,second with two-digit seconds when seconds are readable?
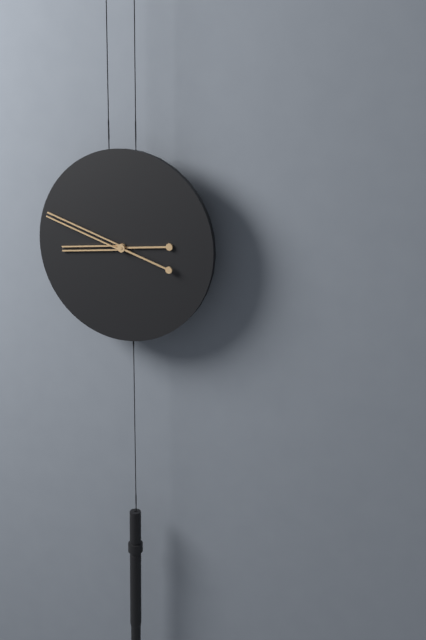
8,48
